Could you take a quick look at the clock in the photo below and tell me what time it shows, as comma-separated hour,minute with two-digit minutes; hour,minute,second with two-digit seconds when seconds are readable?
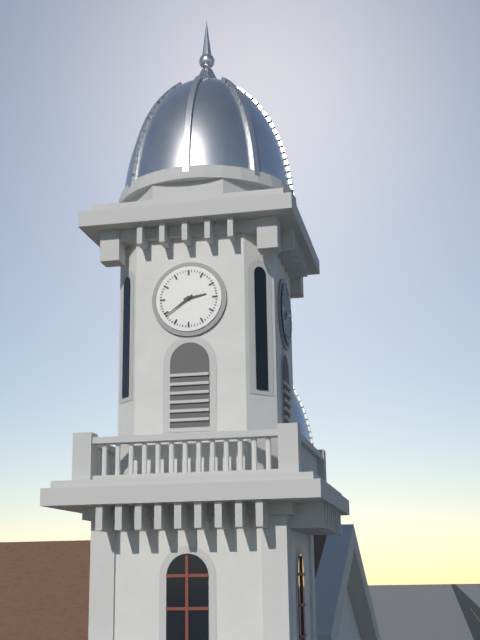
2,39
